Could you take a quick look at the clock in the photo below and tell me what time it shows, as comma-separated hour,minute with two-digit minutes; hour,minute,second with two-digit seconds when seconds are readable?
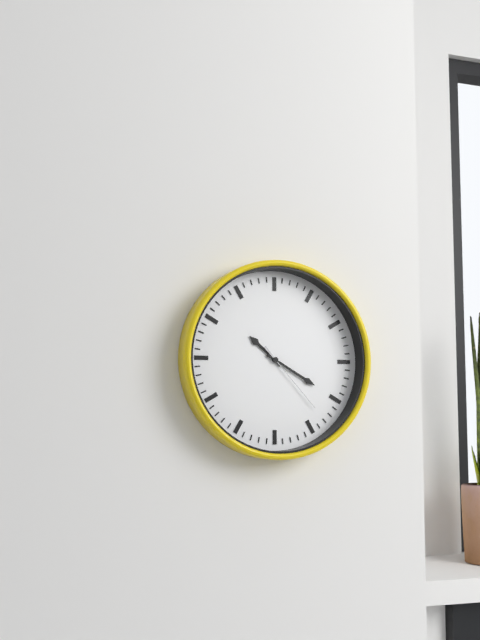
10,20,23
